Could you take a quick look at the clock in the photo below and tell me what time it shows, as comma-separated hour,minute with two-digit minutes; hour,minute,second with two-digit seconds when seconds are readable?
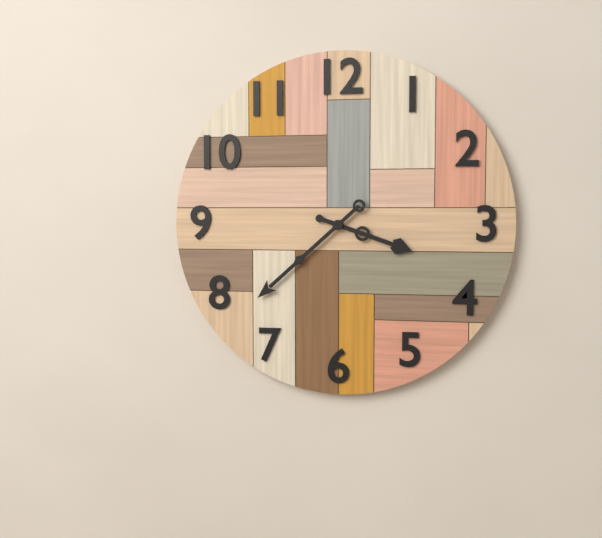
3,38
